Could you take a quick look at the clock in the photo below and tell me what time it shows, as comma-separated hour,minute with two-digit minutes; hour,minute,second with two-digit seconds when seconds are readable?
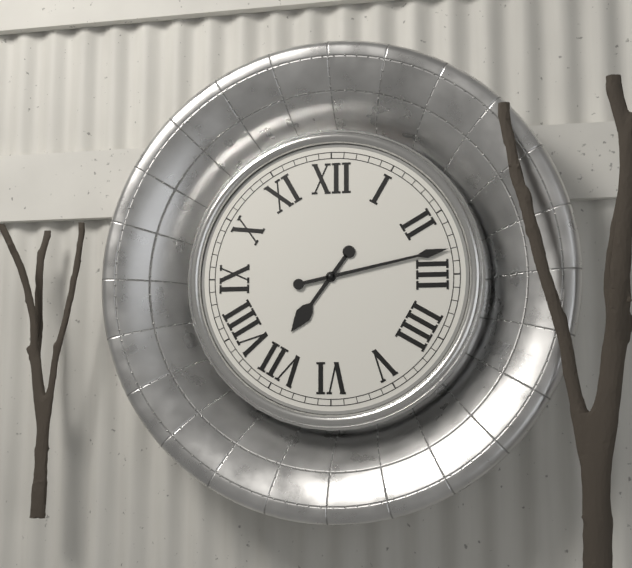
7,13
